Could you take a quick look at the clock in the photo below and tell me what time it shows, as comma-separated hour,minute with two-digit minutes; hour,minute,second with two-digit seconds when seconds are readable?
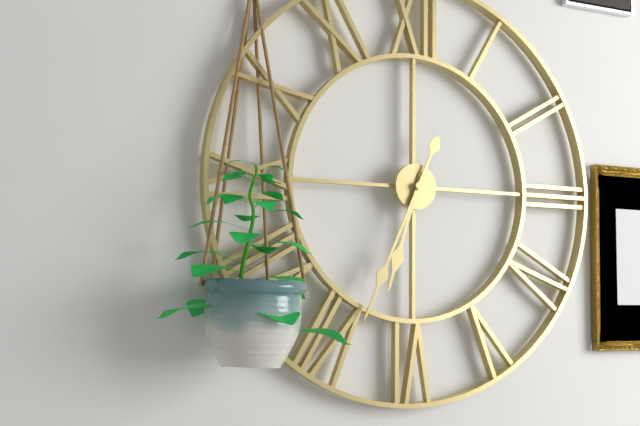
6,34
